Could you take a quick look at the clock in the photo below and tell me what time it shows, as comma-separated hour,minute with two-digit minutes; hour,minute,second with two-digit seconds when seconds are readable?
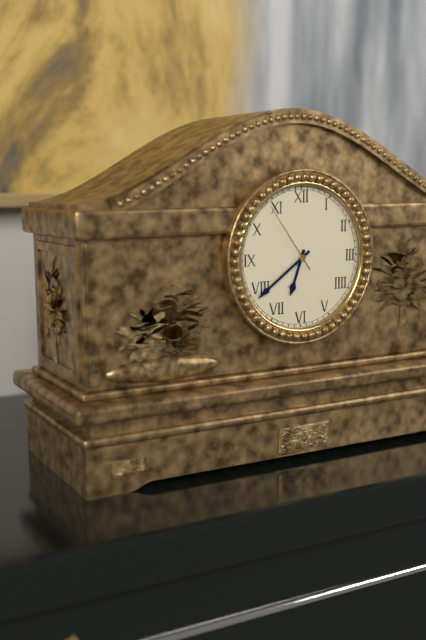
6,39,54
